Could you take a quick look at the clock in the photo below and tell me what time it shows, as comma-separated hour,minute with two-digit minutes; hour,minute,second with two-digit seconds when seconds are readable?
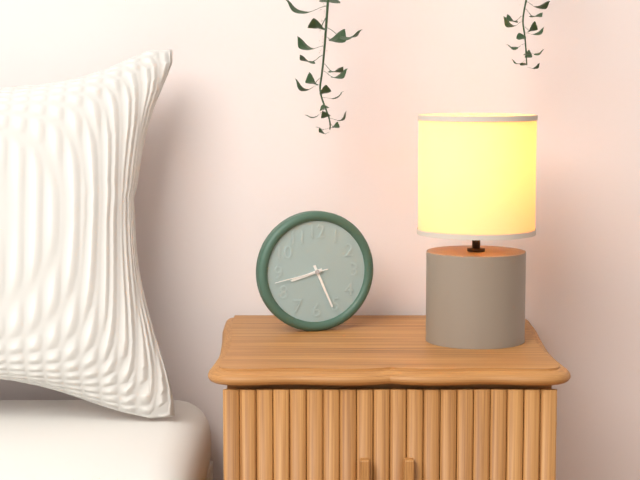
8,26,43
